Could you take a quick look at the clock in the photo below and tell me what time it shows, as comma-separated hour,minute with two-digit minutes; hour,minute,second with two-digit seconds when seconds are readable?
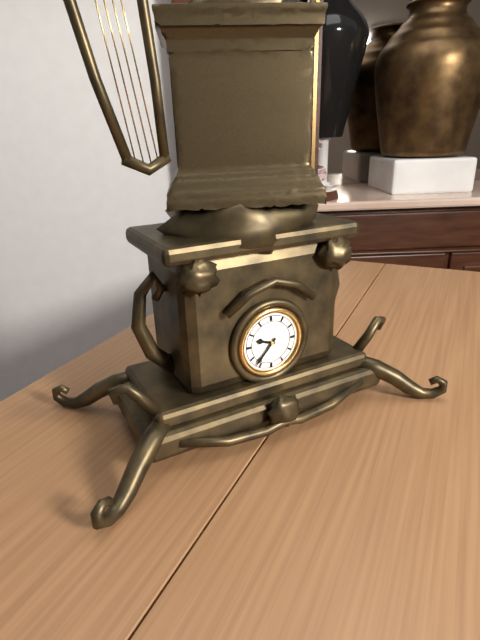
9,37
